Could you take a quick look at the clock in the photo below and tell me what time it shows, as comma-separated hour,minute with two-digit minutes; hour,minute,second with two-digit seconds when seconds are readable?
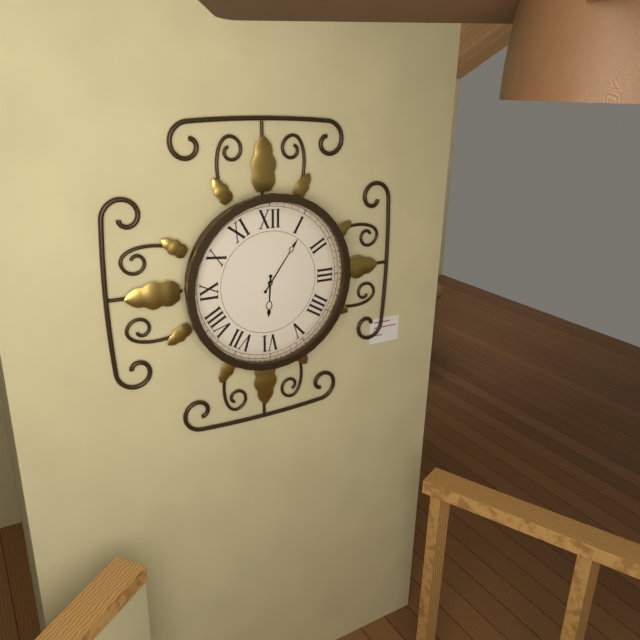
6,06
